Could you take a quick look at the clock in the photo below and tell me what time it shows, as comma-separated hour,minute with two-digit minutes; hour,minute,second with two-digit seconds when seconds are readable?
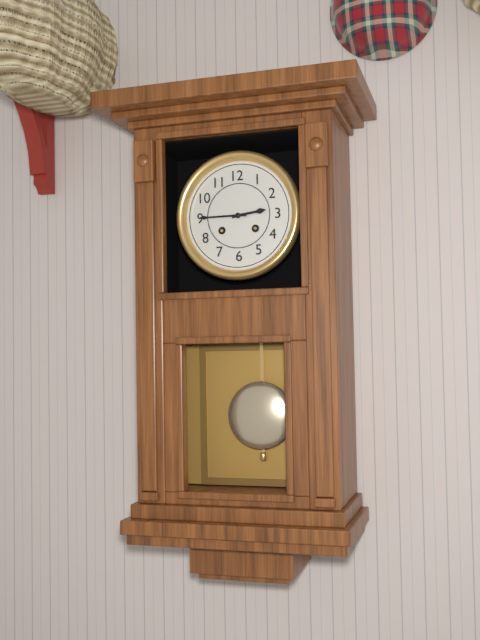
2,45
